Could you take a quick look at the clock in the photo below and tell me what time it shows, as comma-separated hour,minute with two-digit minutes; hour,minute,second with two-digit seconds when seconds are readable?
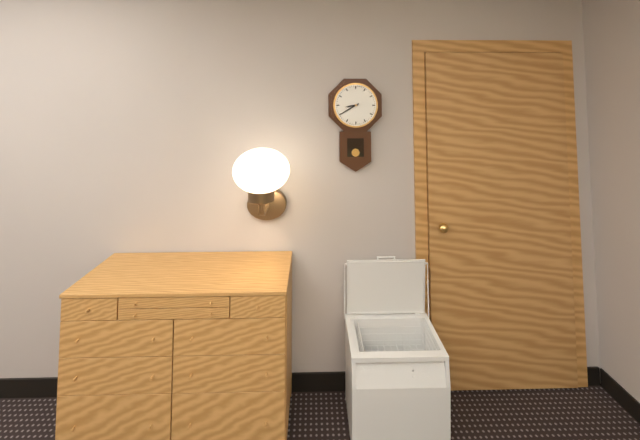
8,40
